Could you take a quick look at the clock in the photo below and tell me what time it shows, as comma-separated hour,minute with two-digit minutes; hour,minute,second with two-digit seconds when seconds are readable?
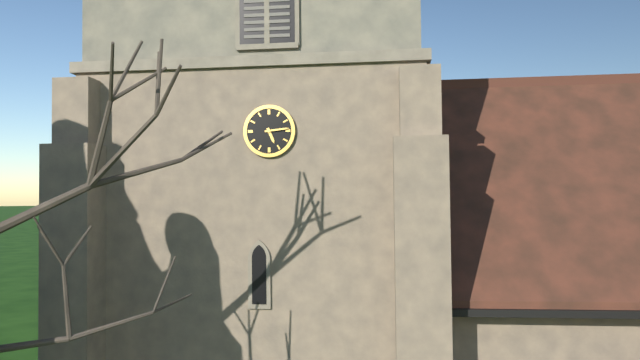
5,14
